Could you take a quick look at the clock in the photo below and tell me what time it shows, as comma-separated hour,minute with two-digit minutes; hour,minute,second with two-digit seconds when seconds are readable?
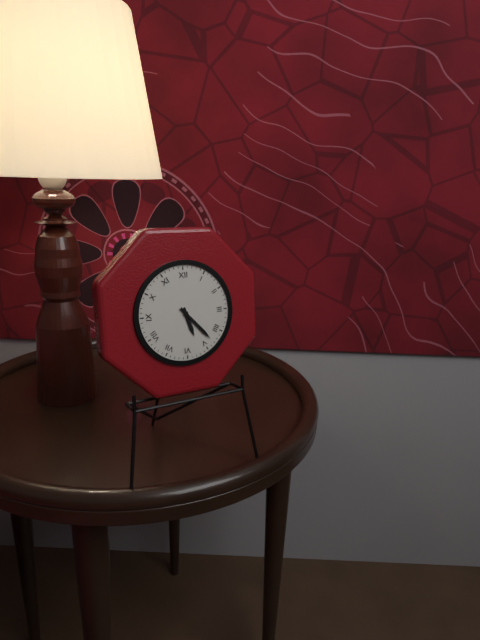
5,23
